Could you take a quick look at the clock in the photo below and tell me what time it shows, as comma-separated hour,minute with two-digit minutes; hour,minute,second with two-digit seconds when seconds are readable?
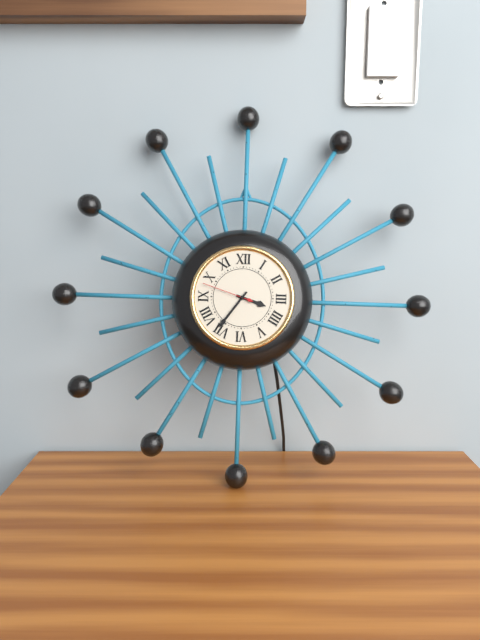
3,36,48
